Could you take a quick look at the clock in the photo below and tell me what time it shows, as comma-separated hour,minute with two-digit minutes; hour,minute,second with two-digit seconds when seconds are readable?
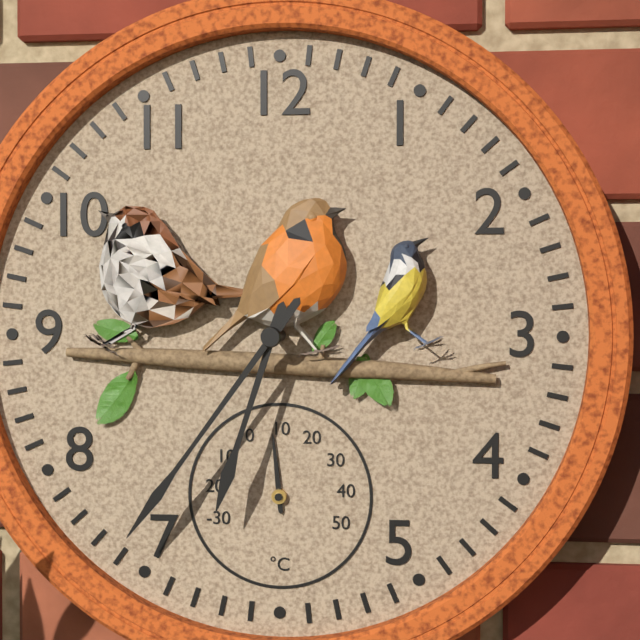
6,36
